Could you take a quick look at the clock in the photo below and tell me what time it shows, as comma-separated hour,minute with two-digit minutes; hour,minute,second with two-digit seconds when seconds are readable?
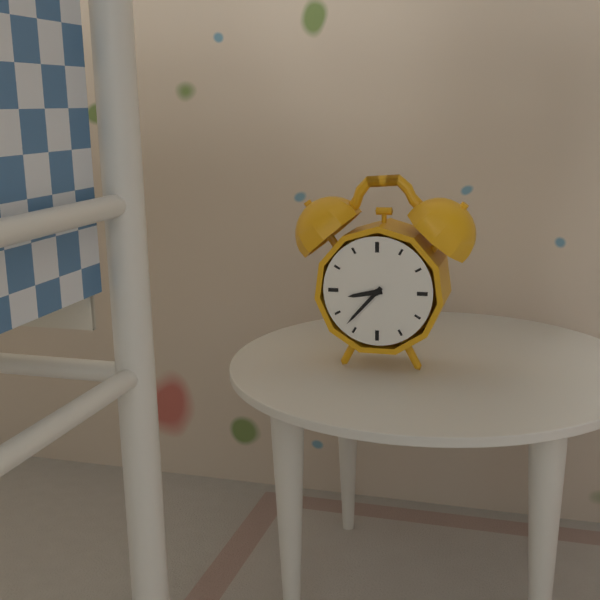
8,37
